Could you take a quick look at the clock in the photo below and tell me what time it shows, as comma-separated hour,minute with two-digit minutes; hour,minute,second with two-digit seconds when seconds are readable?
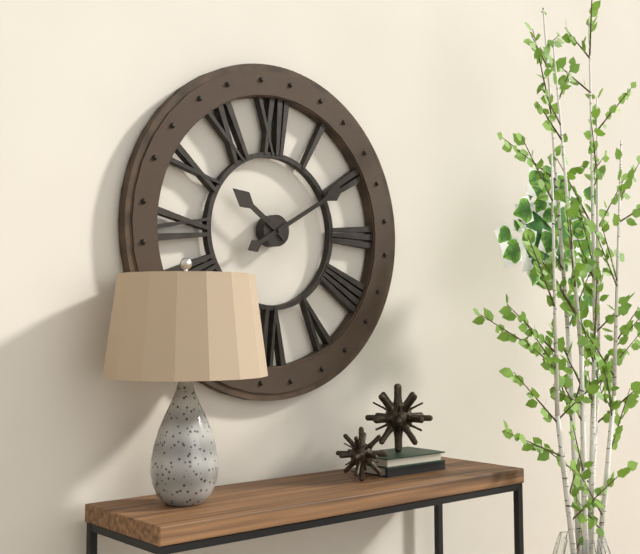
10,10
